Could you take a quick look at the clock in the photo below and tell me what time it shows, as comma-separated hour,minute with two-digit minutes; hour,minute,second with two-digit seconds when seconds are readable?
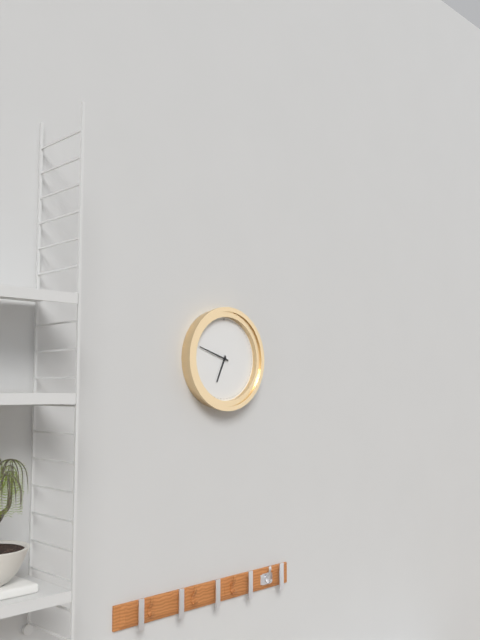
6,48
